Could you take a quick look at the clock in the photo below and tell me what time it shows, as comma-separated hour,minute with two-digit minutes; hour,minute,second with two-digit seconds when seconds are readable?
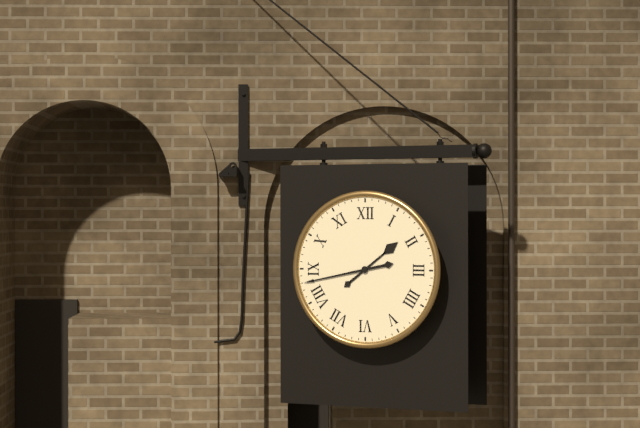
1,43
